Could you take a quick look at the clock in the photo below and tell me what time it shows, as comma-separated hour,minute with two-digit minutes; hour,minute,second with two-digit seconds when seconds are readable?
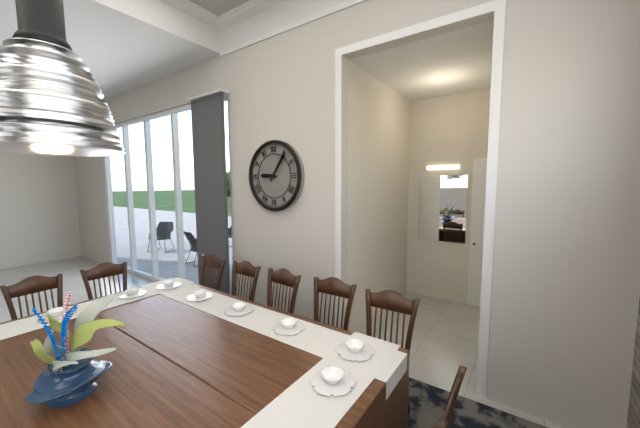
9,06
